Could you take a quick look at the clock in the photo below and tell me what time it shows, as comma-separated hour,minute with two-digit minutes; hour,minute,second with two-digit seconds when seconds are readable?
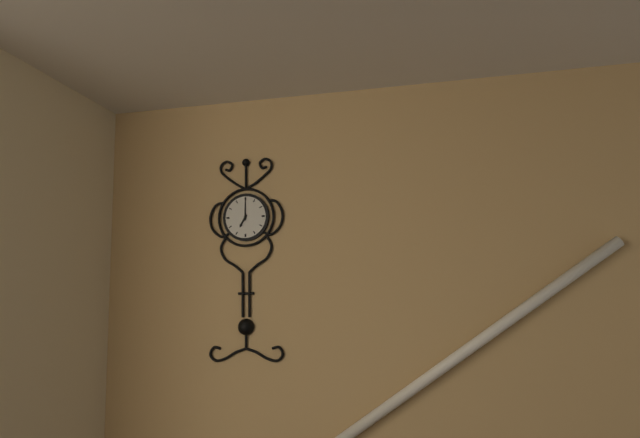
7,00
